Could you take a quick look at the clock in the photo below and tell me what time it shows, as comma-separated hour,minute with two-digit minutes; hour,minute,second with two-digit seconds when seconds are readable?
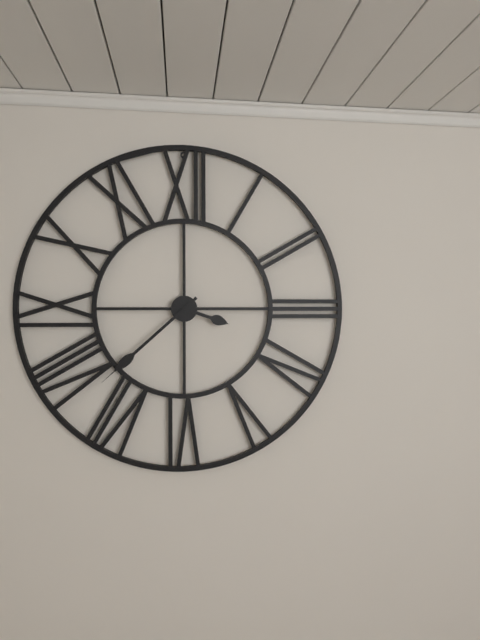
3,38
